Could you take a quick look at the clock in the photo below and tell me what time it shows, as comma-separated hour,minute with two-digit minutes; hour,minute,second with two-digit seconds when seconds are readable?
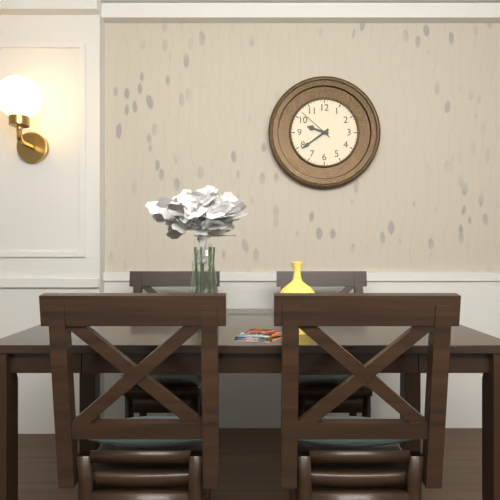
9,39
